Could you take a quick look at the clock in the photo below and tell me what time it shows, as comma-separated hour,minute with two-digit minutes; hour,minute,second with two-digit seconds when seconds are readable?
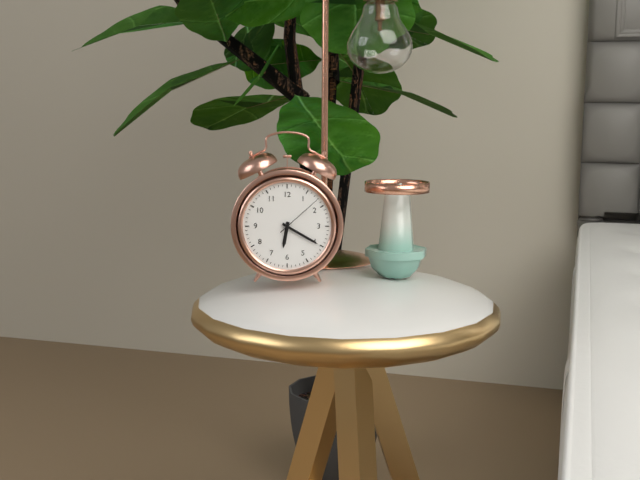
6,20
